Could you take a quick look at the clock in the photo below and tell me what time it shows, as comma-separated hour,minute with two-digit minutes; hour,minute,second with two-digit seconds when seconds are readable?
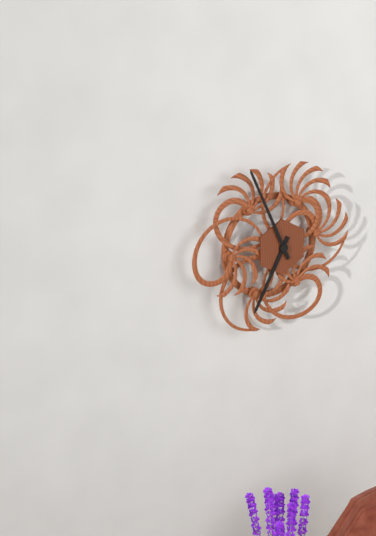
6,56
